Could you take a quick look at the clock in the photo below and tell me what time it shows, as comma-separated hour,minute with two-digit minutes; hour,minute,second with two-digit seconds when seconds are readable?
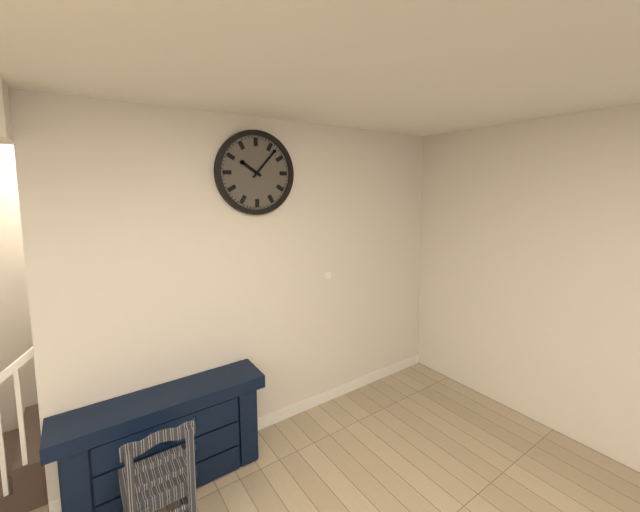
10,07
